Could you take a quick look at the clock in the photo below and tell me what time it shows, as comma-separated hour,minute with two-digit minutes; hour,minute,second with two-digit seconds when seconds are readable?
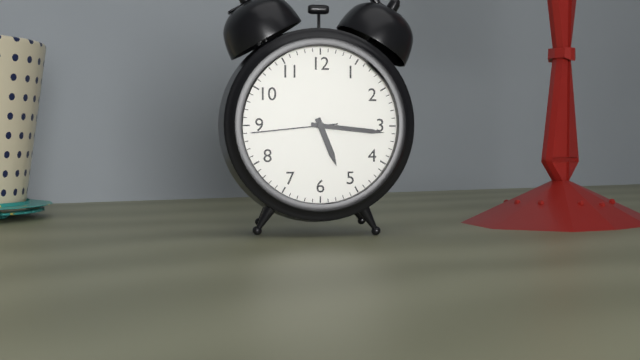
5,16,44
